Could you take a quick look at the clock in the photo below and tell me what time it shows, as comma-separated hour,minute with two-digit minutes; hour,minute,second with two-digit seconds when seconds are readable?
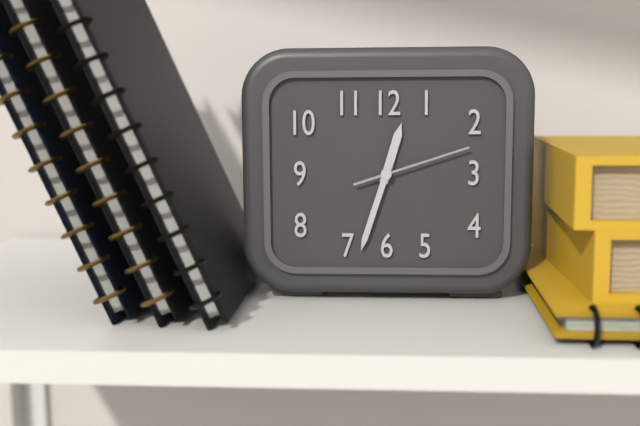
12,33,12
